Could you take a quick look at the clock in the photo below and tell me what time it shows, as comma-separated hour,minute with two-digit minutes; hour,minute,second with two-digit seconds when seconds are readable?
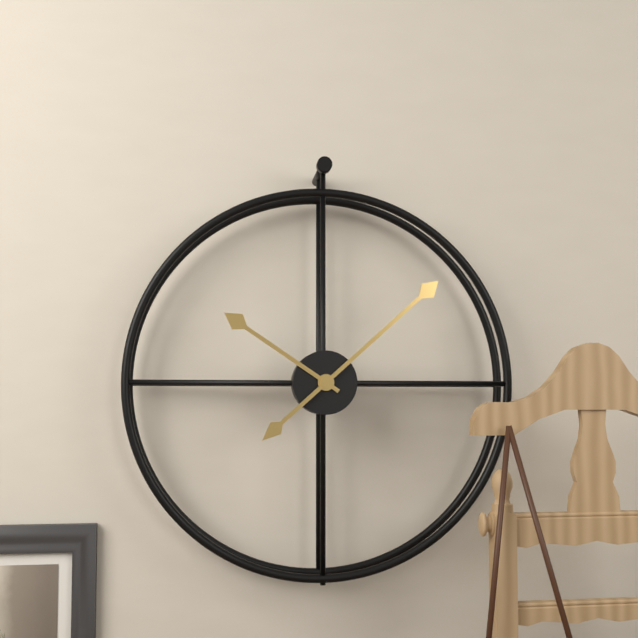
10,08
